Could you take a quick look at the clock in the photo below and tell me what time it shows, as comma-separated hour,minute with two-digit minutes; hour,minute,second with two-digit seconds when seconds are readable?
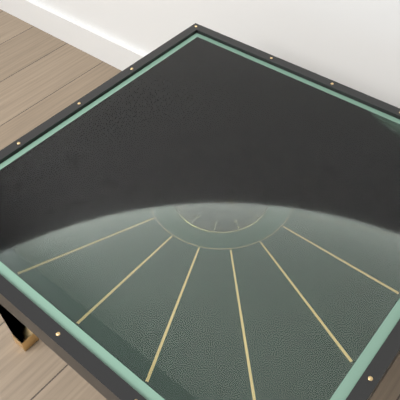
2,06
